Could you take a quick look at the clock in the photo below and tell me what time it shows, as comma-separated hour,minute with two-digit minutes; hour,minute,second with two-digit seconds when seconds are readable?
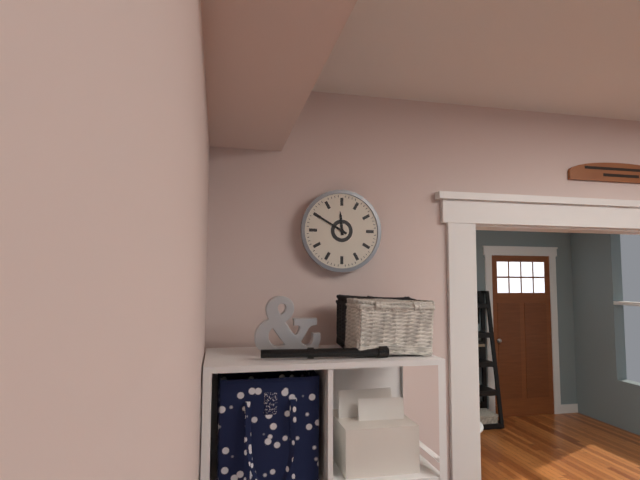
11,50
